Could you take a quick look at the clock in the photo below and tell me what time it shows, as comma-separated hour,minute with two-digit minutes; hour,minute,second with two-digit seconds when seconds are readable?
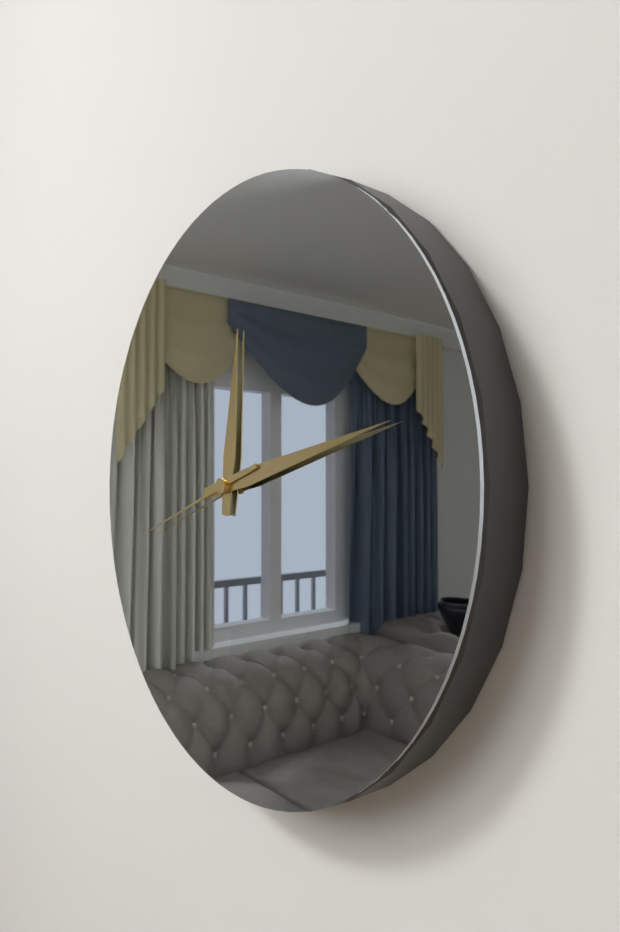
12,13,42
